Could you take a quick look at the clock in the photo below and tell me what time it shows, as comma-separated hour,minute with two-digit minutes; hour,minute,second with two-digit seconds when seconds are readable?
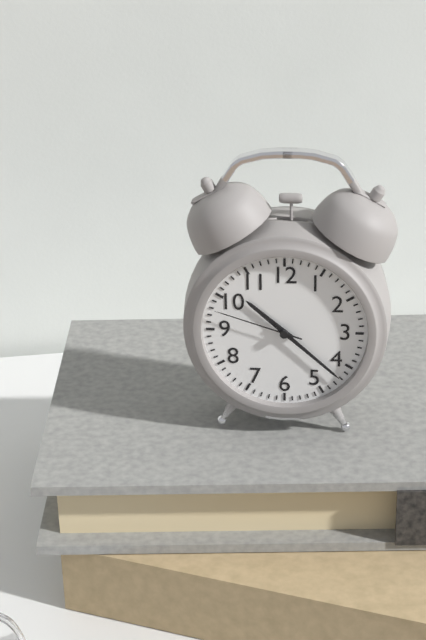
10,22,48
